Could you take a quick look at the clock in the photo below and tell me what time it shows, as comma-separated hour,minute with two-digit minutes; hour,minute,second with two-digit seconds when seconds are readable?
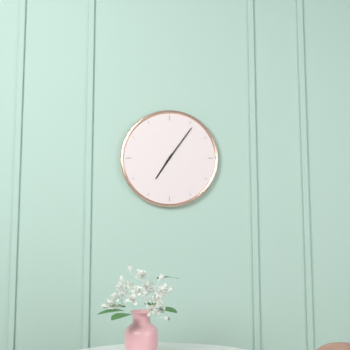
7,06
